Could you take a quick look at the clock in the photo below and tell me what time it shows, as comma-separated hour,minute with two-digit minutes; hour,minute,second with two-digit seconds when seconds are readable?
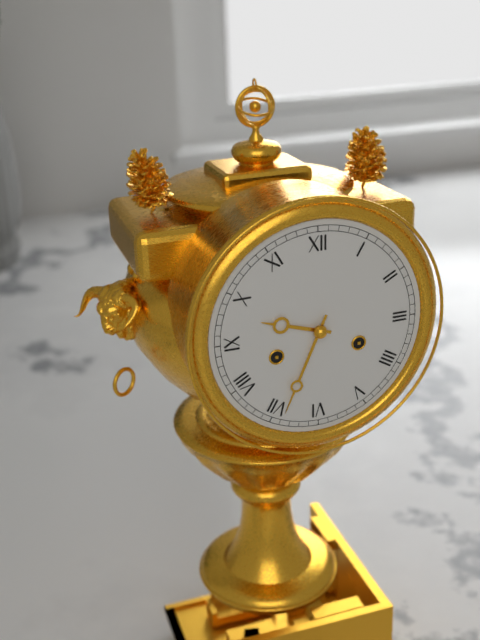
9,34
